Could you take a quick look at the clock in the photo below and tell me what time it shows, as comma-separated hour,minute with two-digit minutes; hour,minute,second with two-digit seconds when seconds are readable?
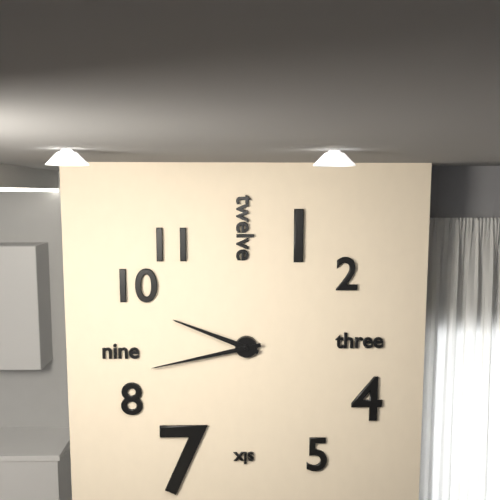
9,43
